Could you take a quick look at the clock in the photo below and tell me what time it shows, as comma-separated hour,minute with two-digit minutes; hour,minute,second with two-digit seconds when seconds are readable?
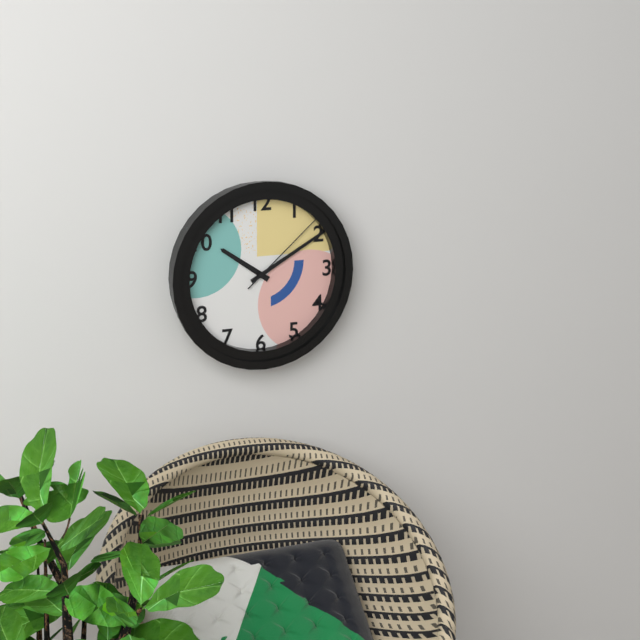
10,10,08
